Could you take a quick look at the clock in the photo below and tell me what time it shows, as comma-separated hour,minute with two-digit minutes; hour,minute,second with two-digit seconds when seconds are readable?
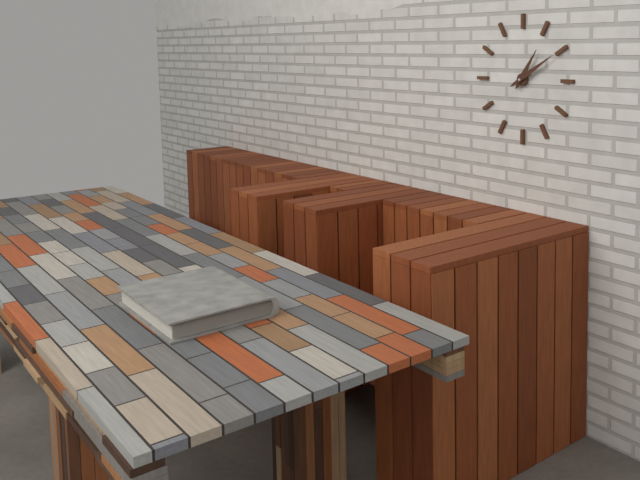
1,10
